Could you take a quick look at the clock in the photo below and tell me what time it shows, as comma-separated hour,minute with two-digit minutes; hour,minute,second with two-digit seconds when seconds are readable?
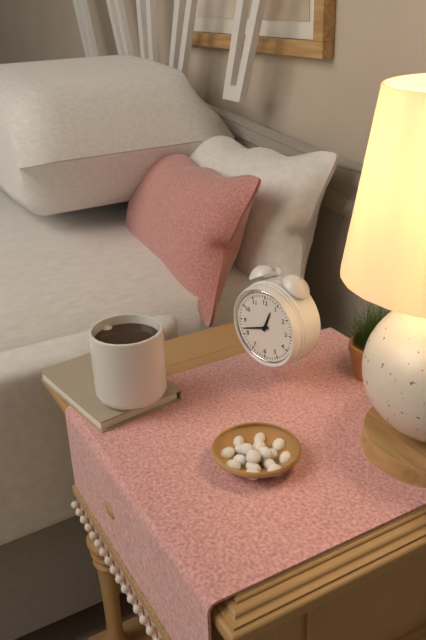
12,42
